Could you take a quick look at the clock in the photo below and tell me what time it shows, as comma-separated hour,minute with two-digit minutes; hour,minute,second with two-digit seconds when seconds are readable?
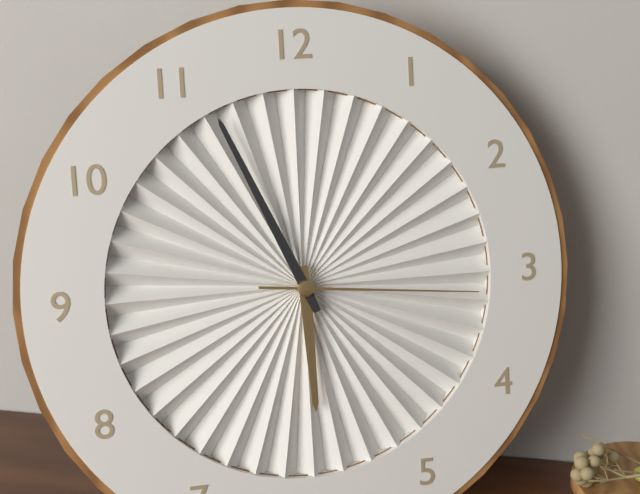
5,56,16
